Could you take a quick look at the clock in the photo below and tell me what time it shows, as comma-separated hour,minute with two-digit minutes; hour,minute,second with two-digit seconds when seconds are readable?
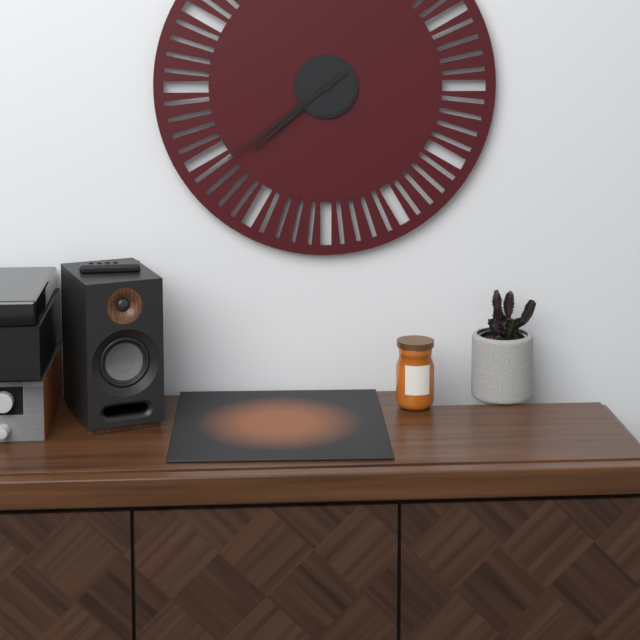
7,39
